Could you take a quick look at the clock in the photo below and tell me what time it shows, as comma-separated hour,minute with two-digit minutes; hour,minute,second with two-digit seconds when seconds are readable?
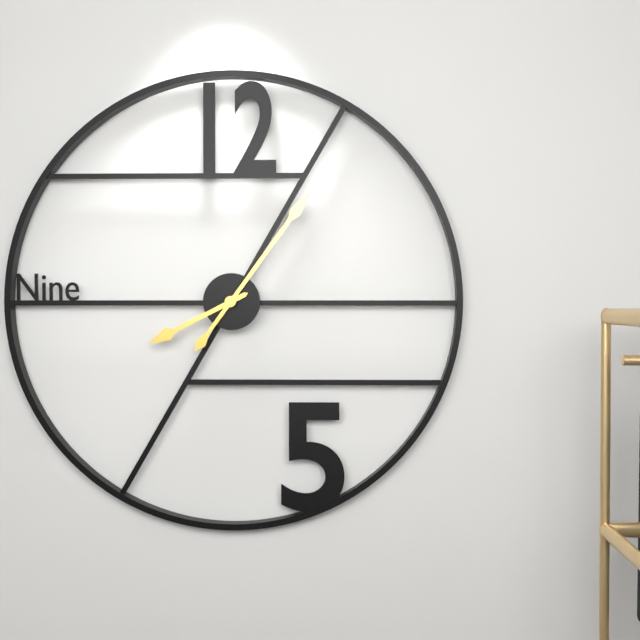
8,06
